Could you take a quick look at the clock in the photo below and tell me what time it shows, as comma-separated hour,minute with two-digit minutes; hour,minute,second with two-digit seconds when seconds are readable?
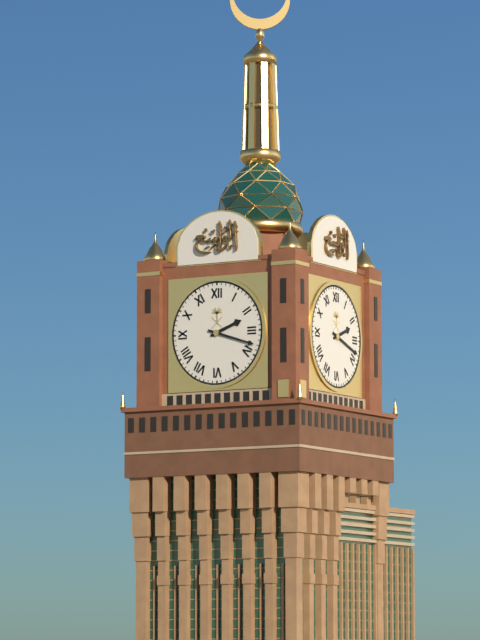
2,18
